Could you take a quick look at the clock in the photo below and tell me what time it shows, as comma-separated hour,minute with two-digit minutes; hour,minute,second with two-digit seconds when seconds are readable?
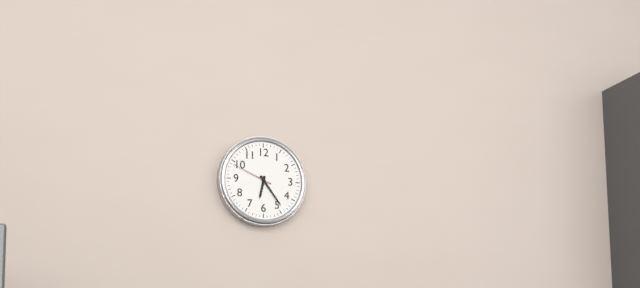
6,24
